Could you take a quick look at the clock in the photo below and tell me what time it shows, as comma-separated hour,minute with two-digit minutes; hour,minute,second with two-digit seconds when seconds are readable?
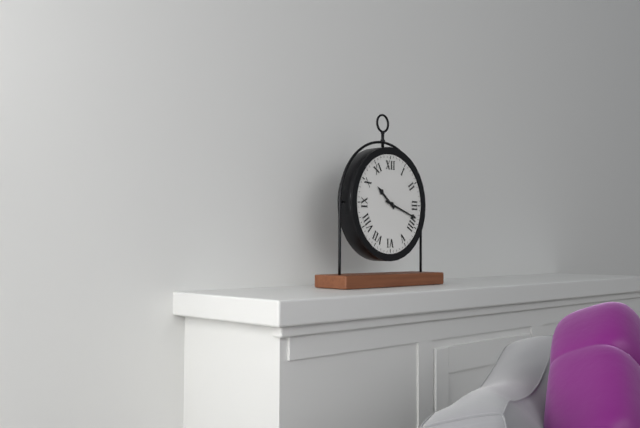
10,18
